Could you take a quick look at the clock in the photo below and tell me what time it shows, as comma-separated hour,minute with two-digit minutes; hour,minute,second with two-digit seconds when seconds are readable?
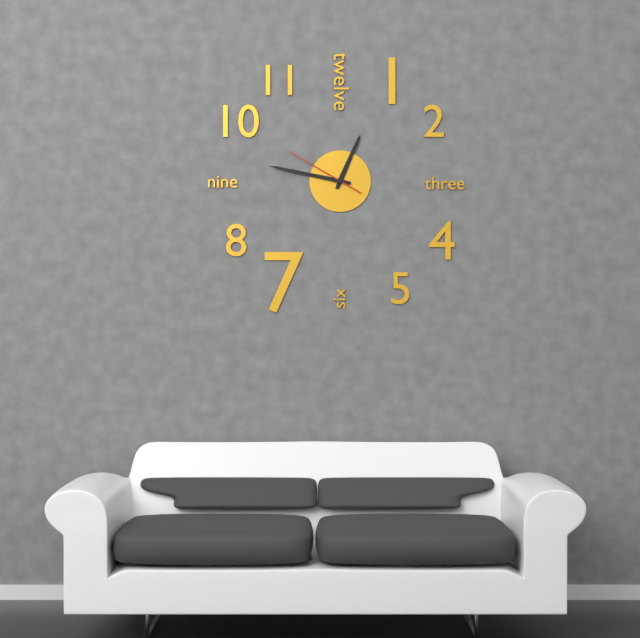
12,47,50
